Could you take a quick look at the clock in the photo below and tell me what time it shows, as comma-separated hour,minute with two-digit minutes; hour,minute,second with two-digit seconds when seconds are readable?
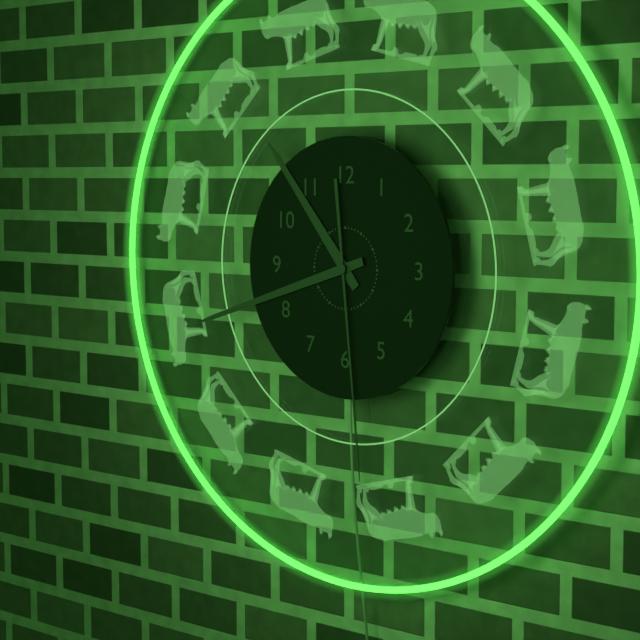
10,42,29
